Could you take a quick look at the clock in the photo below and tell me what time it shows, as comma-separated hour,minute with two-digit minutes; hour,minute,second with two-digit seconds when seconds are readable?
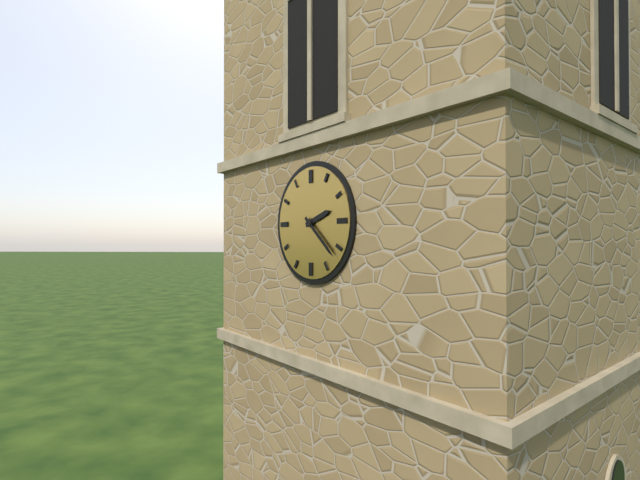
2,22
